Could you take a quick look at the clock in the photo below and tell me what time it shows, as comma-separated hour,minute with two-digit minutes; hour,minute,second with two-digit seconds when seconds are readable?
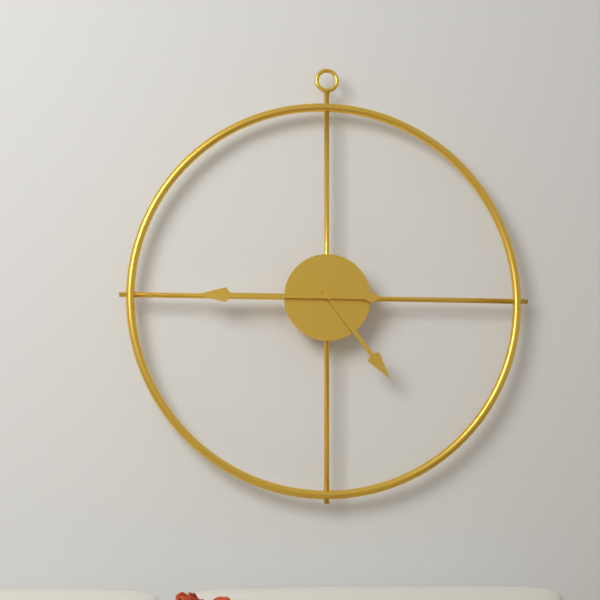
4,45
